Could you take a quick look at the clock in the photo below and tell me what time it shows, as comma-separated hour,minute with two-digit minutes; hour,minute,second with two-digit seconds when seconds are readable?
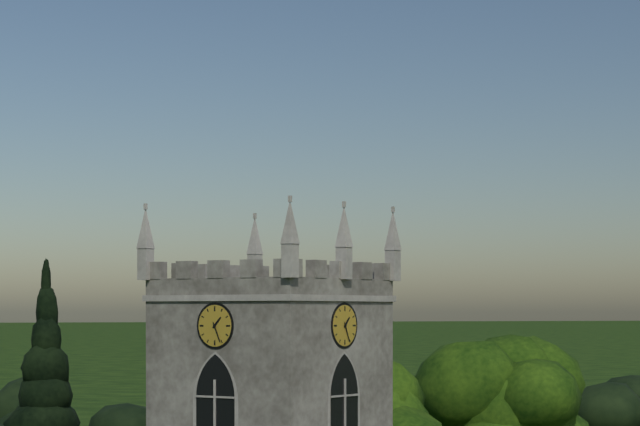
1,26
